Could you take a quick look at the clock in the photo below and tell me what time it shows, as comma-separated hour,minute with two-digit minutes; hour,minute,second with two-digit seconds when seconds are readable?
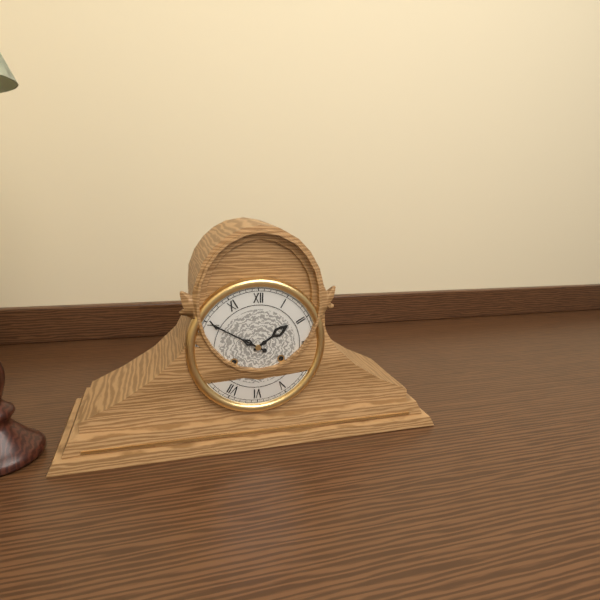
1,50
